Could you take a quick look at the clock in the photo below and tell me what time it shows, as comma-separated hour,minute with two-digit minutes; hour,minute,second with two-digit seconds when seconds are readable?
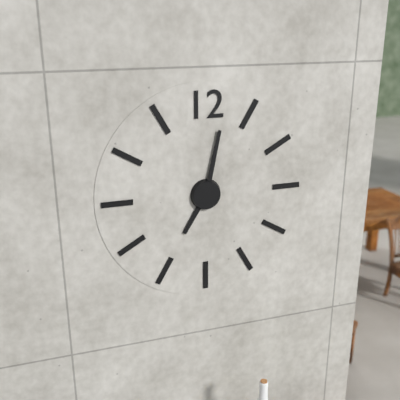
7,02
